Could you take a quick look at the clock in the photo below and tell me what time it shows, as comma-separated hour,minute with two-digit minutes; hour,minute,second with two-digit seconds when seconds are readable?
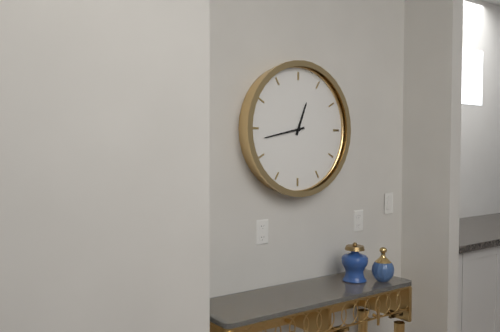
12,43
